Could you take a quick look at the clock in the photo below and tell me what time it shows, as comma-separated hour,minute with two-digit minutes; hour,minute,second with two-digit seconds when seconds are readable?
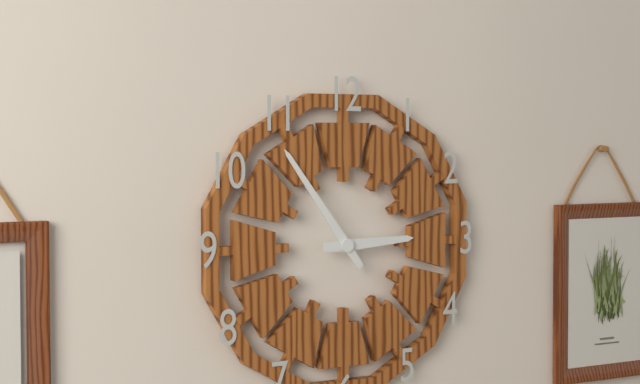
2,54
